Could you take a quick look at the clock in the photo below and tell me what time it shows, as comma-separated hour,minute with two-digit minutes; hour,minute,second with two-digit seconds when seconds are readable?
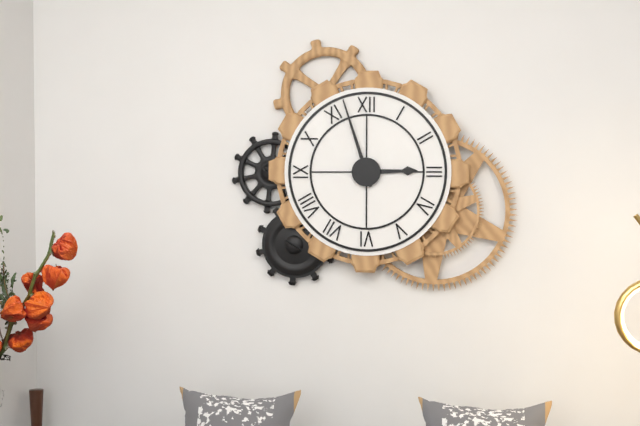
2,57
